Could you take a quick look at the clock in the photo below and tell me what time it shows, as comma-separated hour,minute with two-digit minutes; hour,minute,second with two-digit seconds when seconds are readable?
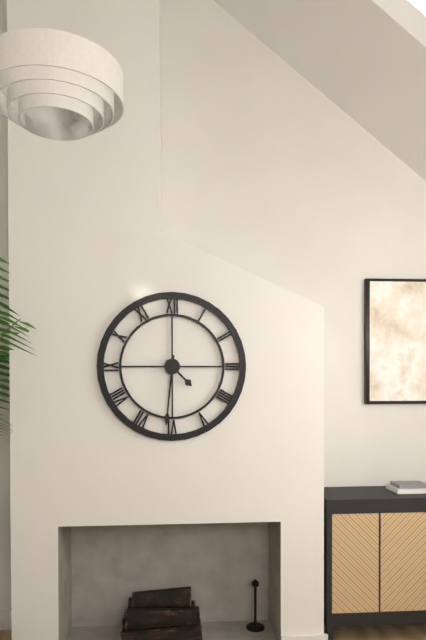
4,31
